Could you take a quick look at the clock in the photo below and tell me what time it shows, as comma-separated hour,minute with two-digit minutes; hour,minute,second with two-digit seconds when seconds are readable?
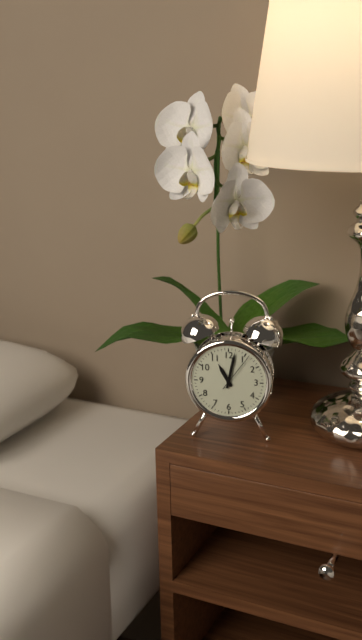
11,02
